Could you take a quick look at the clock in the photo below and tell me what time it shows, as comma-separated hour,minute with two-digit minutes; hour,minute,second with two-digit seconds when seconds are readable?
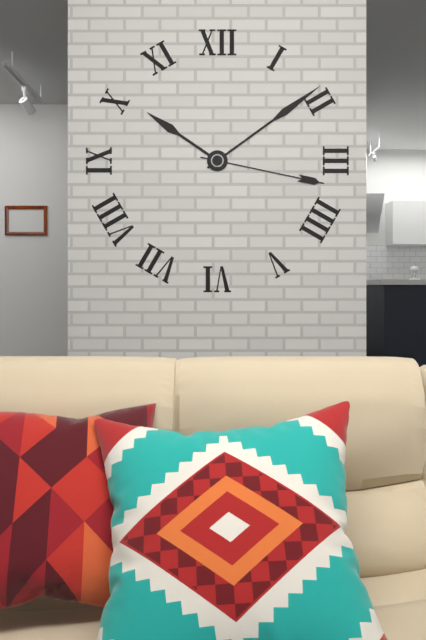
10,09,17
